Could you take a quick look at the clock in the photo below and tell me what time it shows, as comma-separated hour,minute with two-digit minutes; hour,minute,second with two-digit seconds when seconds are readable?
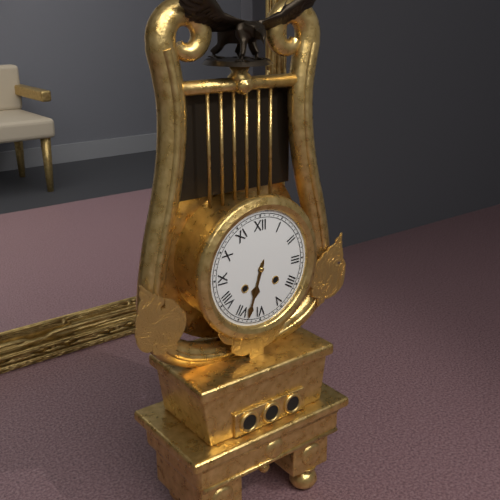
6,33
